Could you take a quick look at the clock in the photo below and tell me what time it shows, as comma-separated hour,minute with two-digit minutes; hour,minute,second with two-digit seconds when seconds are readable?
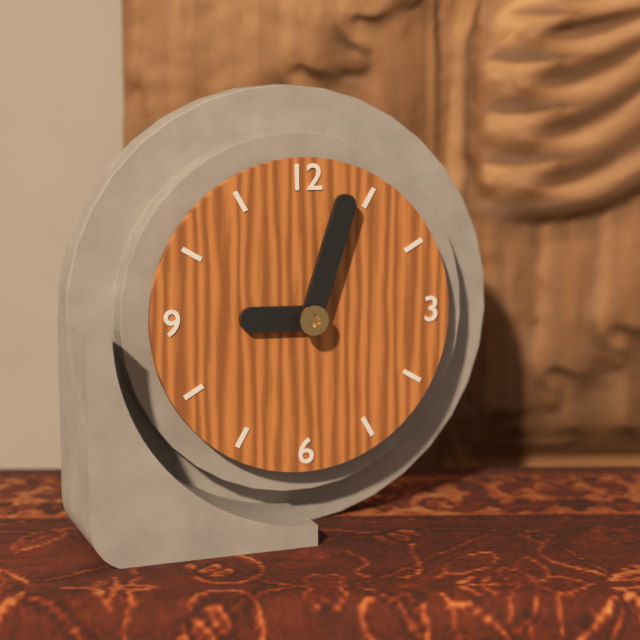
9,03
